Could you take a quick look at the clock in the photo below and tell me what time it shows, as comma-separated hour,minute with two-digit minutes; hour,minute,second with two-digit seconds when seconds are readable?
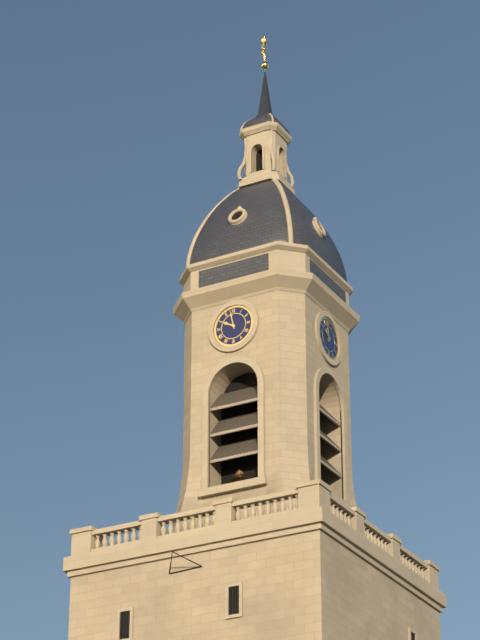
9,58
